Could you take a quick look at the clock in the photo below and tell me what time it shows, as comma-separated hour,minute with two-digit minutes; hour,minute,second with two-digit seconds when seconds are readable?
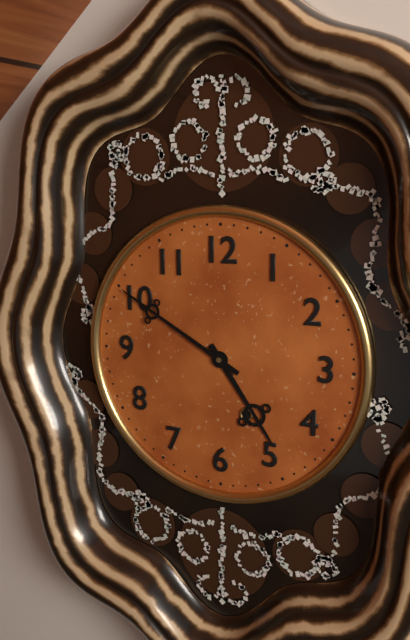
4,50
